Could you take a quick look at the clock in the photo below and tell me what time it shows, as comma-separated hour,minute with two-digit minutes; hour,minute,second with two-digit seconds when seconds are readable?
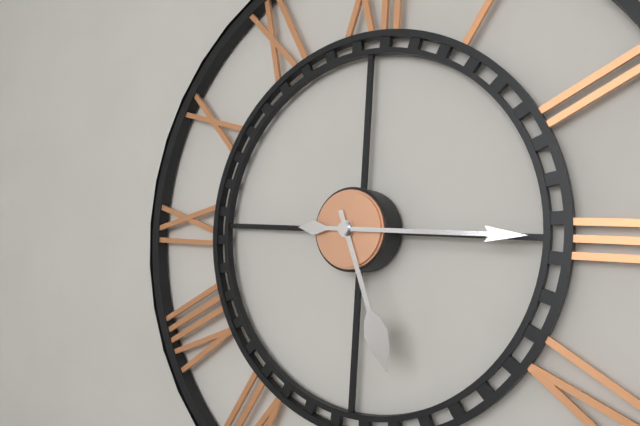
5,15
